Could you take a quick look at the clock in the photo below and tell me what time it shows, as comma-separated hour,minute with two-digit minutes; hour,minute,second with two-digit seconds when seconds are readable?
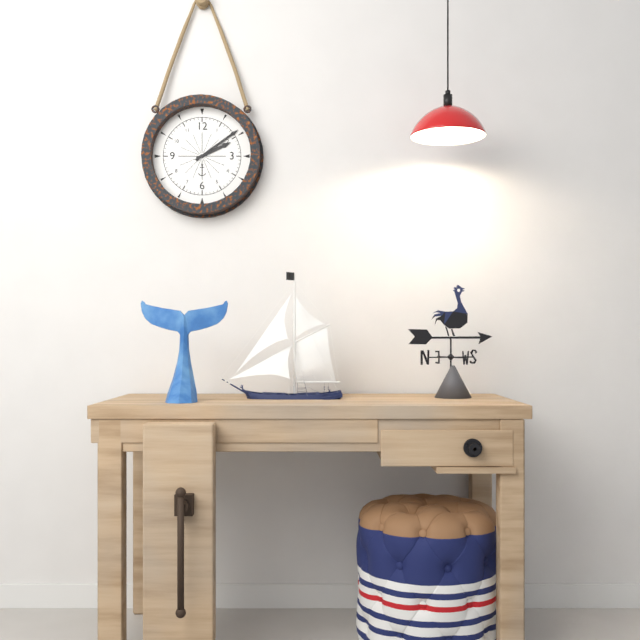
2,09
